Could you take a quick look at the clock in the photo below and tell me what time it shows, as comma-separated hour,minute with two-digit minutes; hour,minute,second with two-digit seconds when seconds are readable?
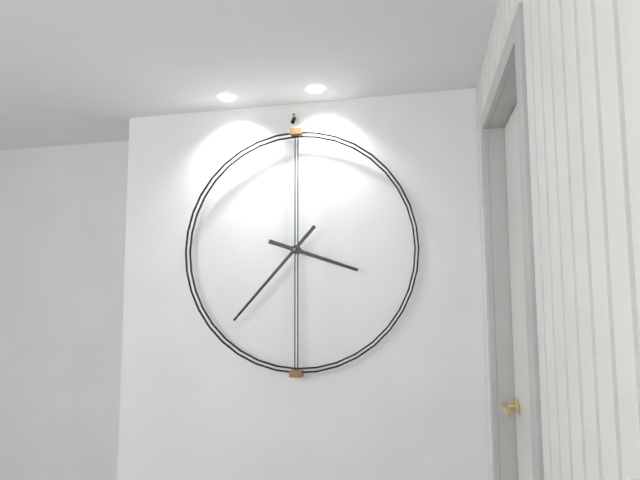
3,37
